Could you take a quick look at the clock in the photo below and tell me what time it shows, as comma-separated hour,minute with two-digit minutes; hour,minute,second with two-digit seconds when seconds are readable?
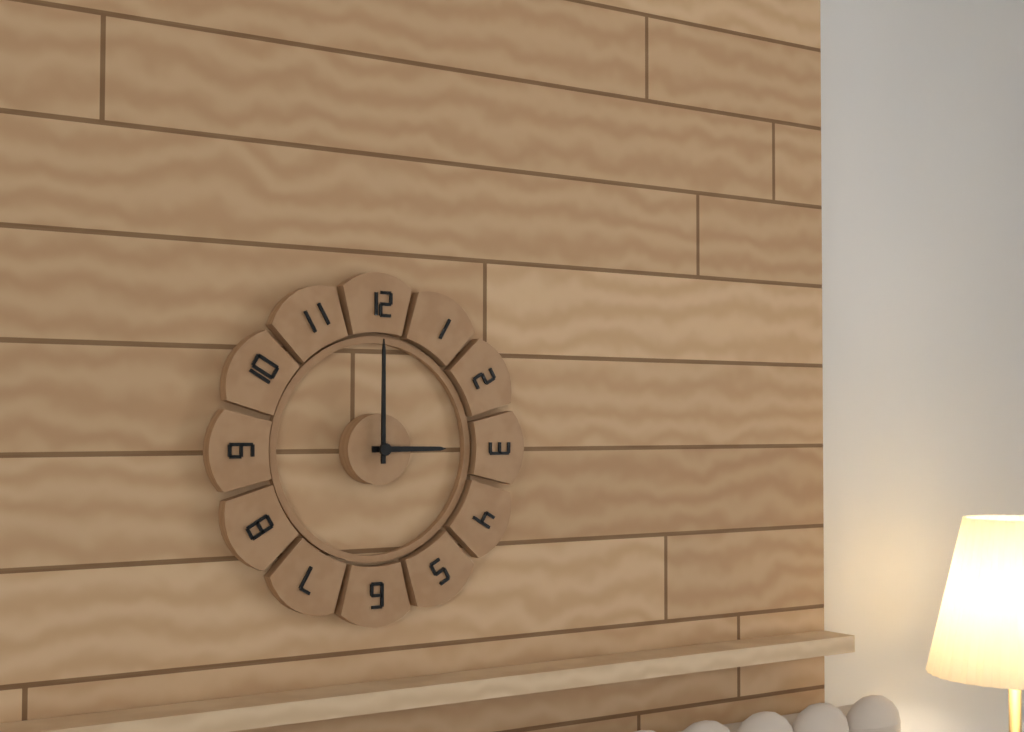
3,00
